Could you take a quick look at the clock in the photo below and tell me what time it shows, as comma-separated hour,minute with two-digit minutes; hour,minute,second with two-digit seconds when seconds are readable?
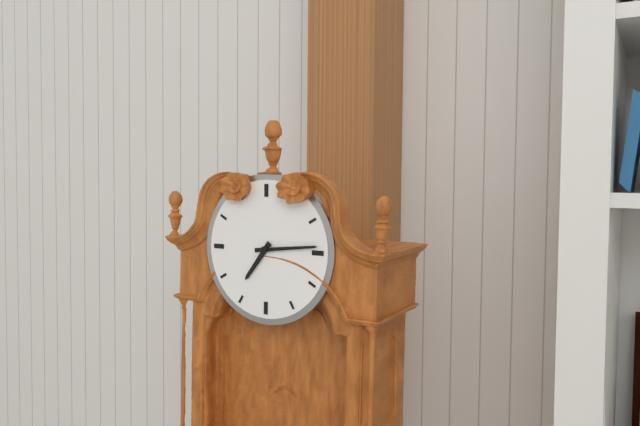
7,14
